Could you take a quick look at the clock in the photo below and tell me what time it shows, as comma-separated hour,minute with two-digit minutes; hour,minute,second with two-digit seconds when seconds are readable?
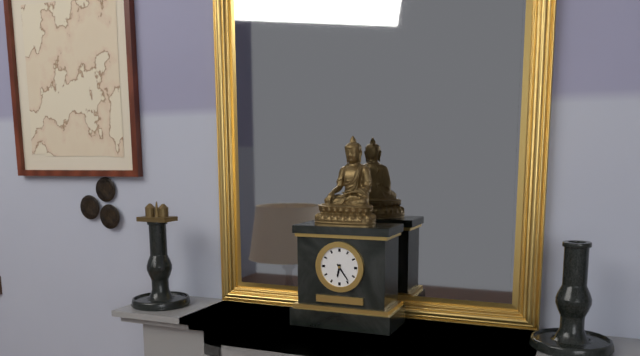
6,24
